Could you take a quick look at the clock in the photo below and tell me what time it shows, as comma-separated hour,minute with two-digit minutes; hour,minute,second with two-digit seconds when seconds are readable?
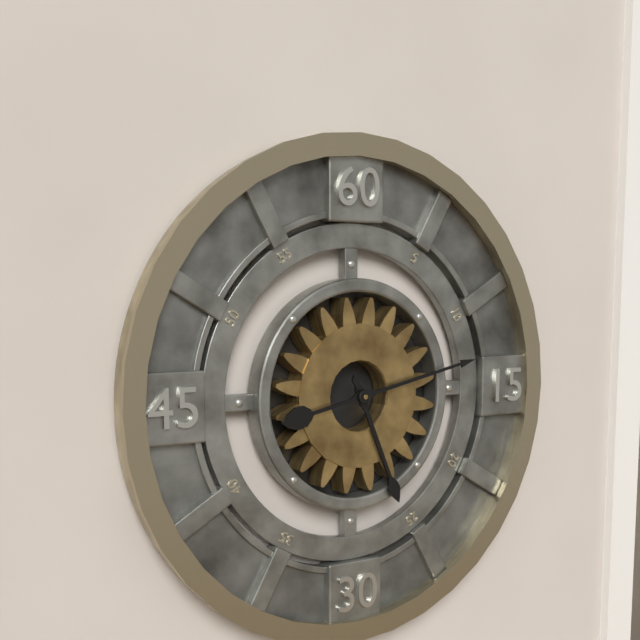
5,13
